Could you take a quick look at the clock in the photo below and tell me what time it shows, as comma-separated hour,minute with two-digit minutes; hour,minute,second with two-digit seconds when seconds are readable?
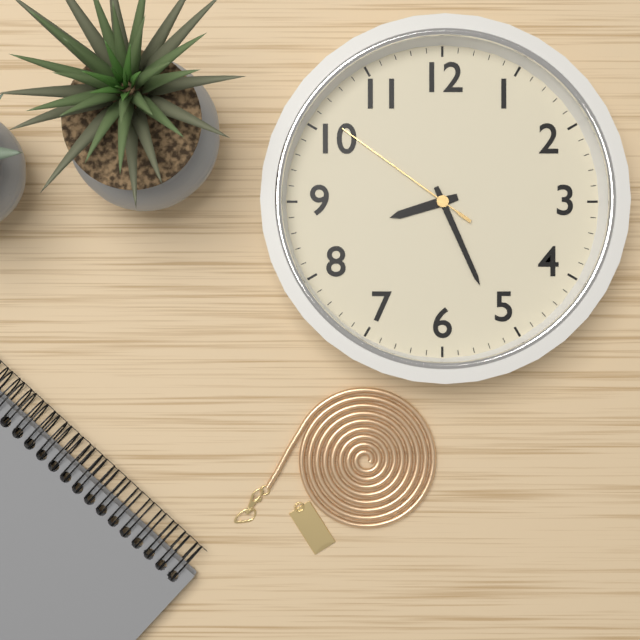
8,26,51
